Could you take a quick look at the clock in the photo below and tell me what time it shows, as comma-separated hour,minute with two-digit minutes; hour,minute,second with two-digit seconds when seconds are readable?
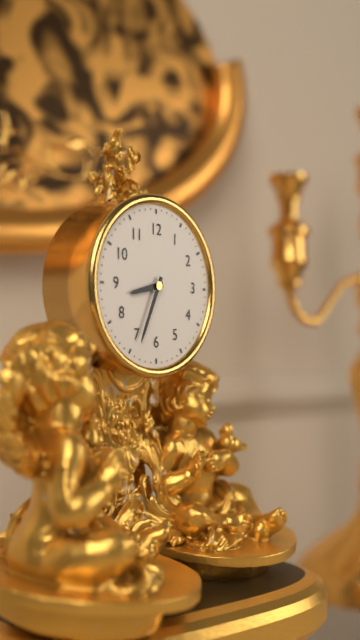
8,34
